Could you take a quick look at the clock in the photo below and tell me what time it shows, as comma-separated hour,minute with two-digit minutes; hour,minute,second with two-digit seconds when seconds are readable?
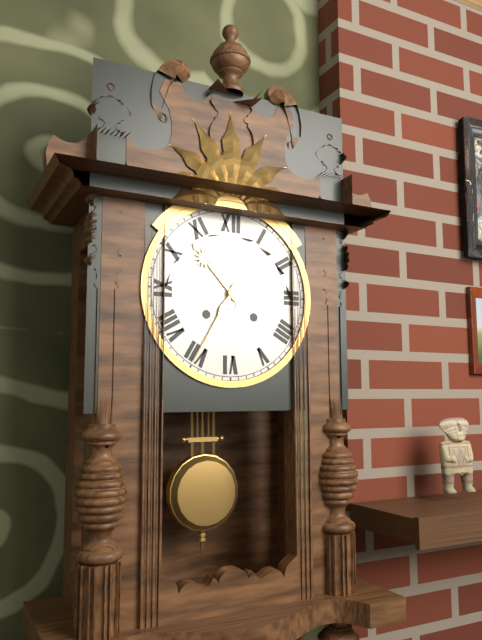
10,35
